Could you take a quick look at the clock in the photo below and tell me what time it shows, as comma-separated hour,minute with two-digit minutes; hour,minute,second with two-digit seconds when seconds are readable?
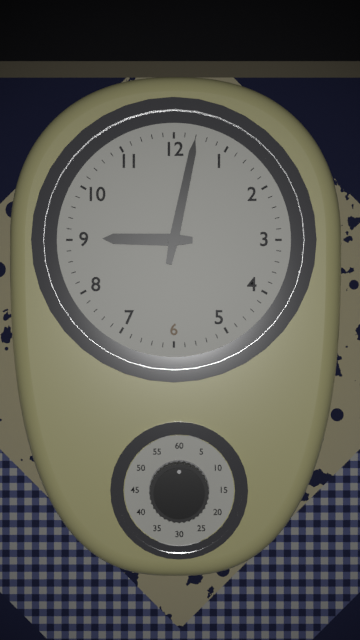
9,02
